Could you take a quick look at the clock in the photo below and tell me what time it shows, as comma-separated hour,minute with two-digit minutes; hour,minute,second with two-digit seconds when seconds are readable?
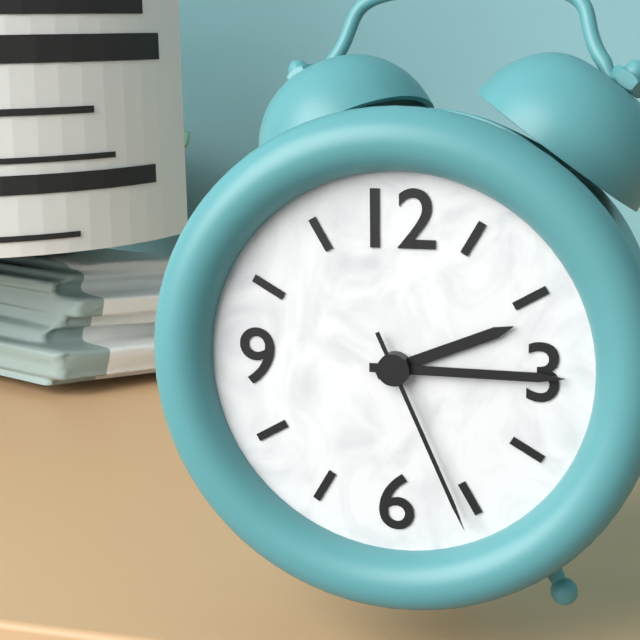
2,15,26
